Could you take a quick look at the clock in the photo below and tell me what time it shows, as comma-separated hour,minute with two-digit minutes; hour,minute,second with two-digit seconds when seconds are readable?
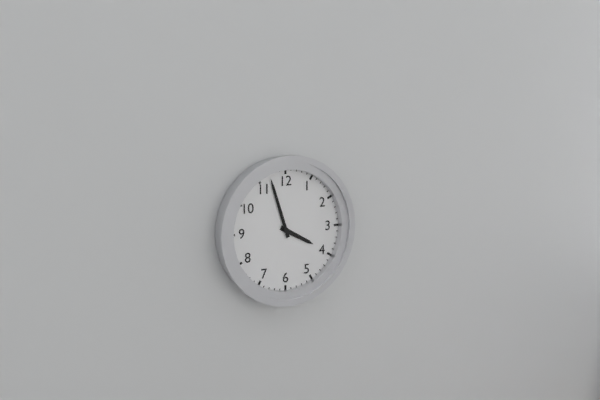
3,57
